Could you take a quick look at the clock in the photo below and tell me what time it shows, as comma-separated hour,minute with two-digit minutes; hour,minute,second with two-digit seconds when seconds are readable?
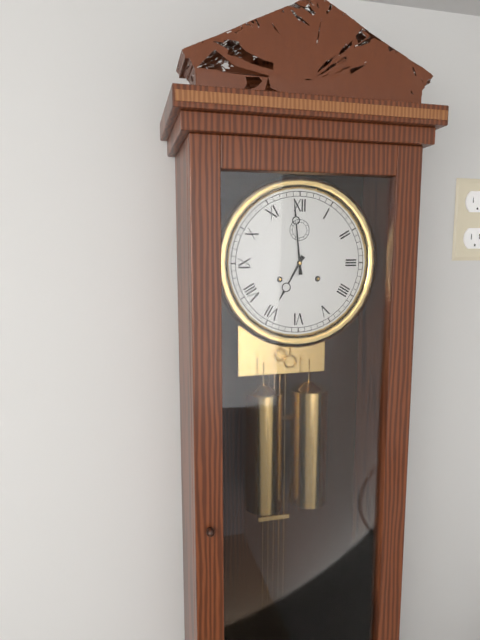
6,59
